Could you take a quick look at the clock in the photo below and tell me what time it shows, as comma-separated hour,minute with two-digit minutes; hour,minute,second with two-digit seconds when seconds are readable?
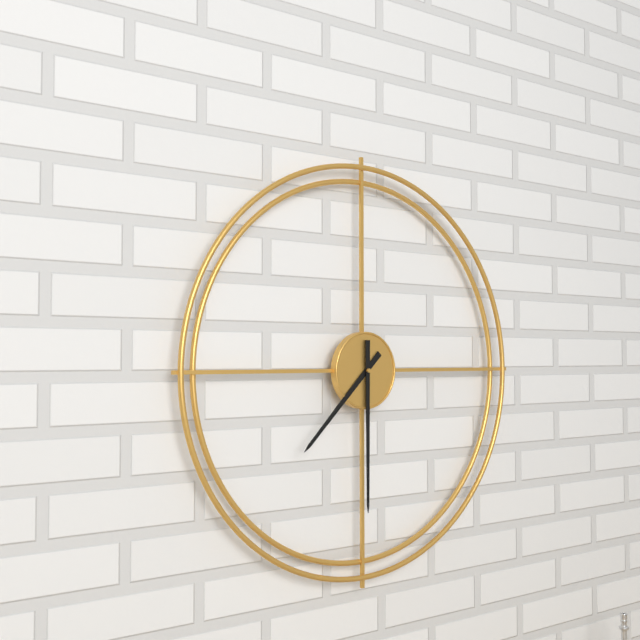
7,30
